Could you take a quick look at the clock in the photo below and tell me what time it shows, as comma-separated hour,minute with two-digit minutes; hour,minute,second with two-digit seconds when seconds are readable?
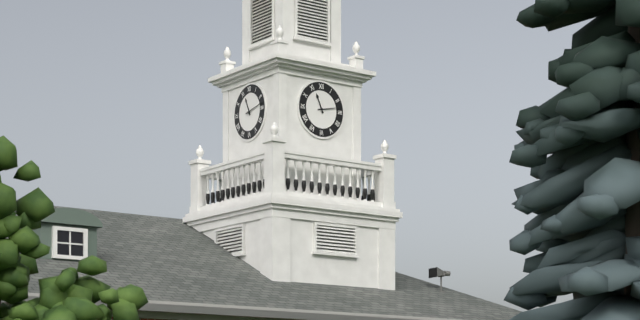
11,13
